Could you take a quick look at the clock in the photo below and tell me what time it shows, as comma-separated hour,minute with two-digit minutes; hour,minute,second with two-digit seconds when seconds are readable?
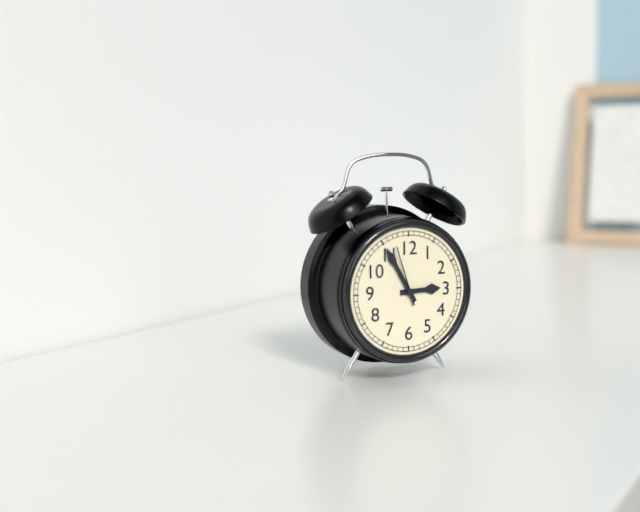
2,55,57
